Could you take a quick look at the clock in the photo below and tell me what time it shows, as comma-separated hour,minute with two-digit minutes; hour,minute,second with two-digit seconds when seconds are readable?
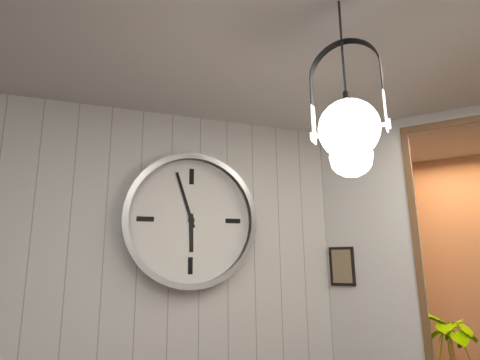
5,57
